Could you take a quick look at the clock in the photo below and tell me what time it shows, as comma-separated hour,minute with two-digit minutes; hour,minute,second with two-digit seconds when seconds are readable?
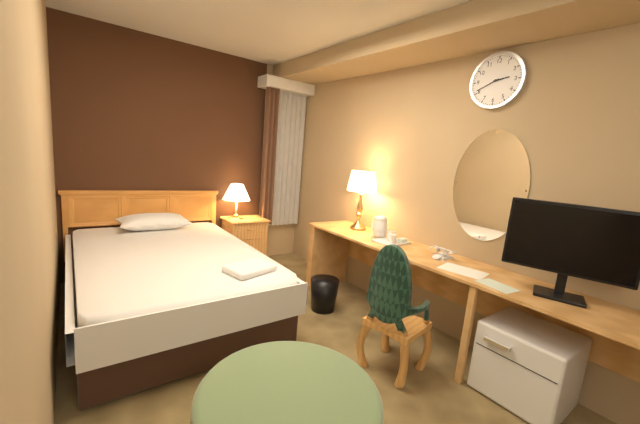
2,41
